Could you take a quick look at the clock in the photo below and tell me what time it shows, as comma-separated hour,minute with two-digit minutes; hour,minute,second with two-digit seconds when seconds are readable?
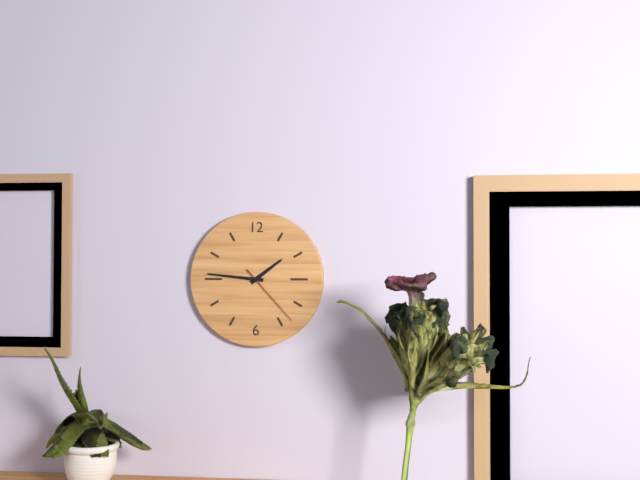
1,46,23
